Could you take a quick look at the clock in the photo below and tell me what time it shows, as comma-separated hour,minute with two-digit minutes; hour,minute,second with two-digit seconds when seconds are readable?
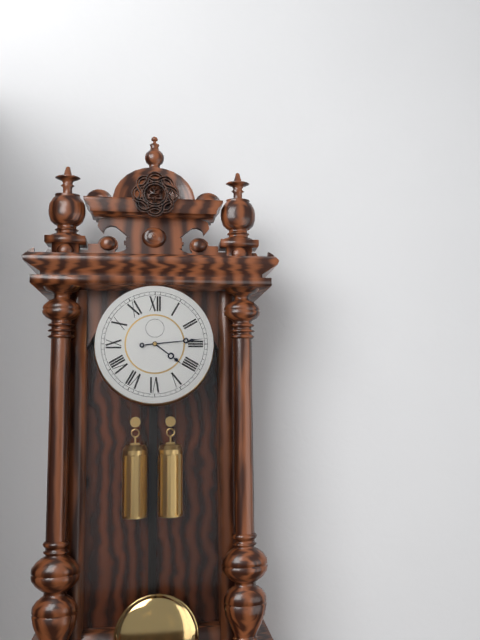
4,14
